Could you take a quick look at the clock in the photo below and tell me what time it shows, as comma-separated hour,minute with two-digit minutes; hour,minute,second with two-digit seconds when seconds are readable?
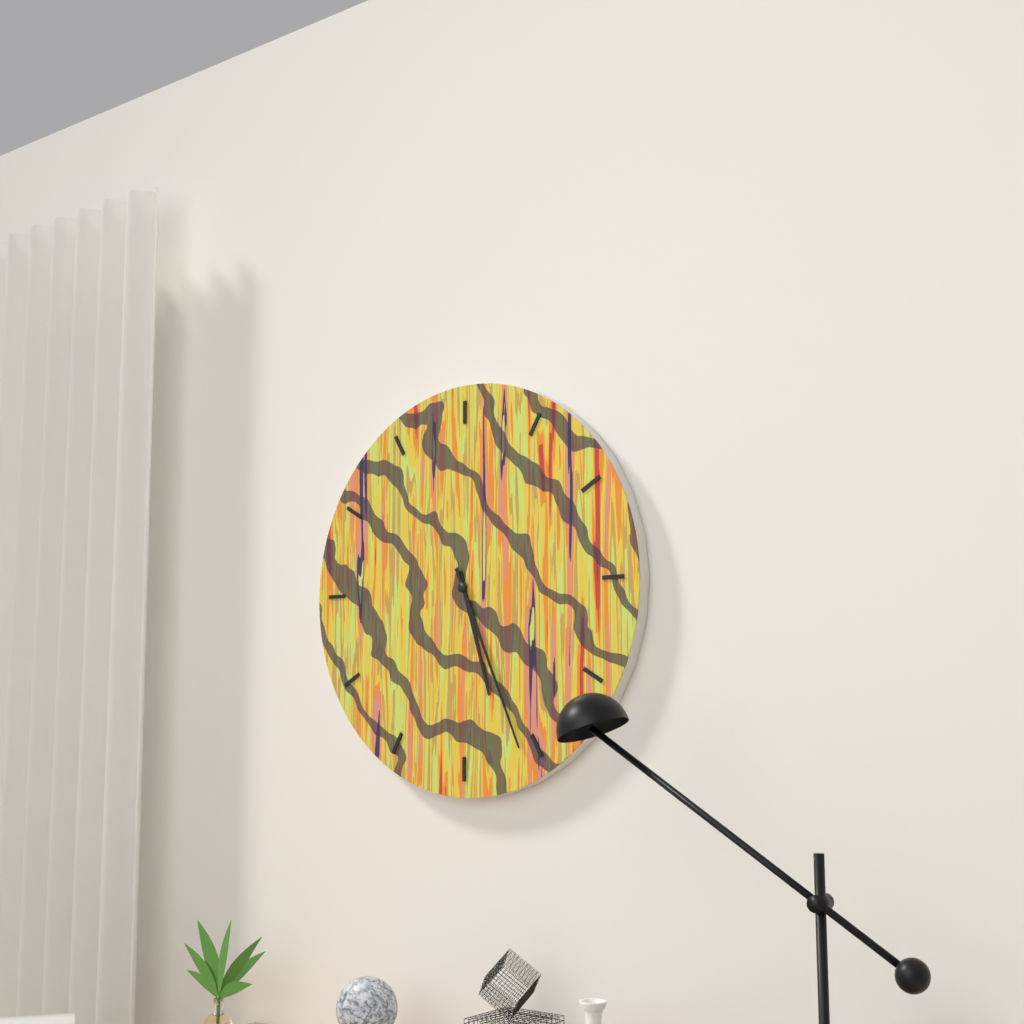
5,26
